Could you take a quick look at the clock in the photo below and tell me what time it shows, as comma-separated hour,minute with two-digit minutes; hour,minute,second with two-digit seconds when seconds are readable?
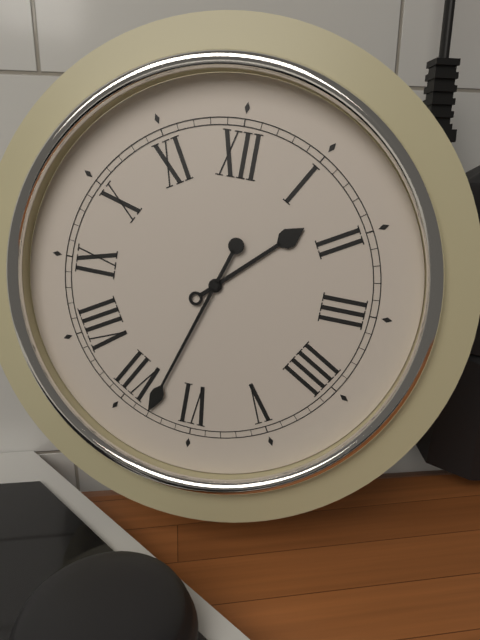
1,33
